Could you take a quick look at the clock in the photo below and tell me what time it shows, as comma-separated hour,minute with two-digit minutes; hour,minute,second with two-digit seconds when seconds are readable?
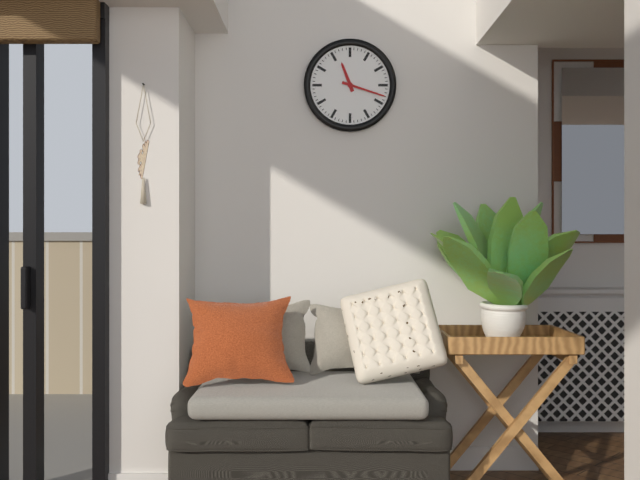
11,18
